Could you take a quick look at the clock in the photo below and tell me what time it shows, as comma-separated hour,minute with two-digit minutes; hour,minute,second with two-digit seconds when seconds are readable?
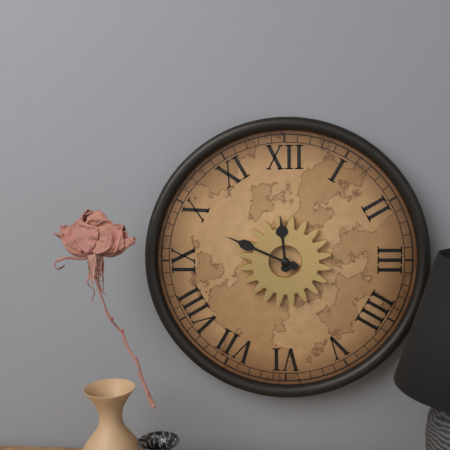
11,49
